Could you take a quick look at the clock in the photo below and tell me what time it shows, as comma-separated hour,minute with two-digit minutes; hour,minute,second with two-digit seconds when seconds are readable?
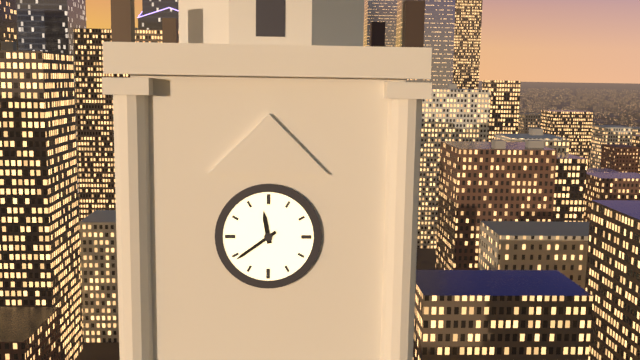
11,39
